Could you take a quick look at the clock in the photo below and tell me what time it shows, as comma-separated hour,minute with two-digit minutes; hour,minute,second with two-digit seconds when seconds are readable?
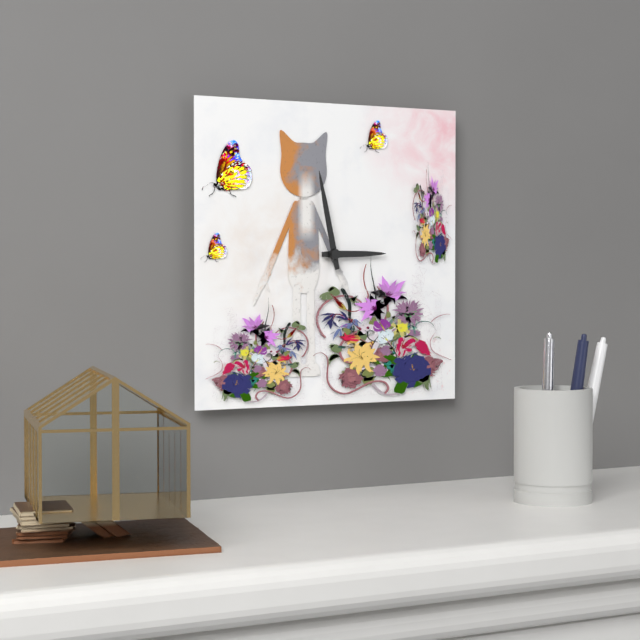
2,58
